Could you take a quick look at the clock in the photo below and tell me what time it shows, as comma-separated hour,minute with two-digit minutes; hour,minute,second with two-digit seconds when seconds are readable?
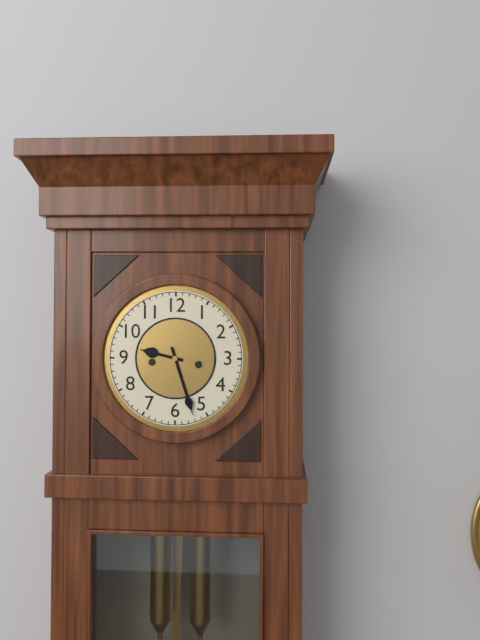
9,27
